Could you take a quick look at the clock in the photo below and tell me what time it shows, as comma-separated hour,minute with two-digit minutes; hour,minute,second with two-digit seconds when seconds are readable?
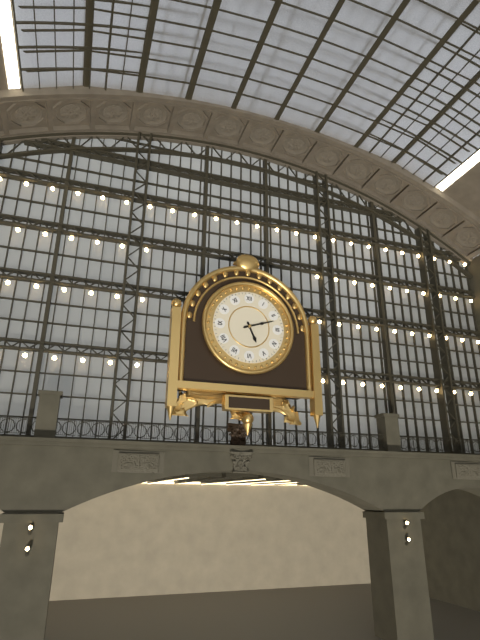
5,12
